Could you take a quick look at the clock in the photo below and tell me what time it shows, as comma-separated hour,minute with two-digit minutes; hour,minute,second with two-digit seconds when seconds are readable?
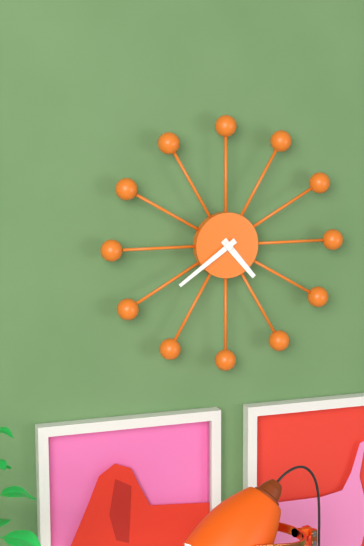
4,39
